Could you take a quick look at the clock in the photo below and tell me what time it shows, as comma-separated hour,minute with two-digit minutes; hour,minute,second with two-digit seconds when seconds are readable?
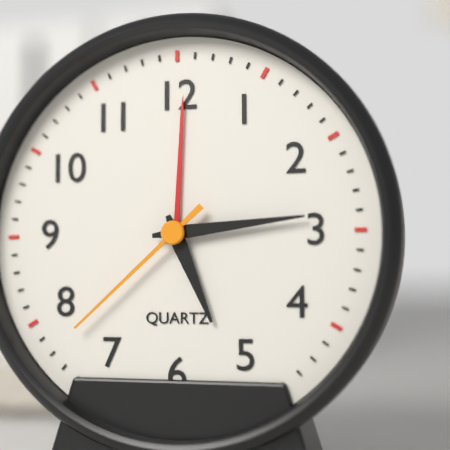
5,14,38
